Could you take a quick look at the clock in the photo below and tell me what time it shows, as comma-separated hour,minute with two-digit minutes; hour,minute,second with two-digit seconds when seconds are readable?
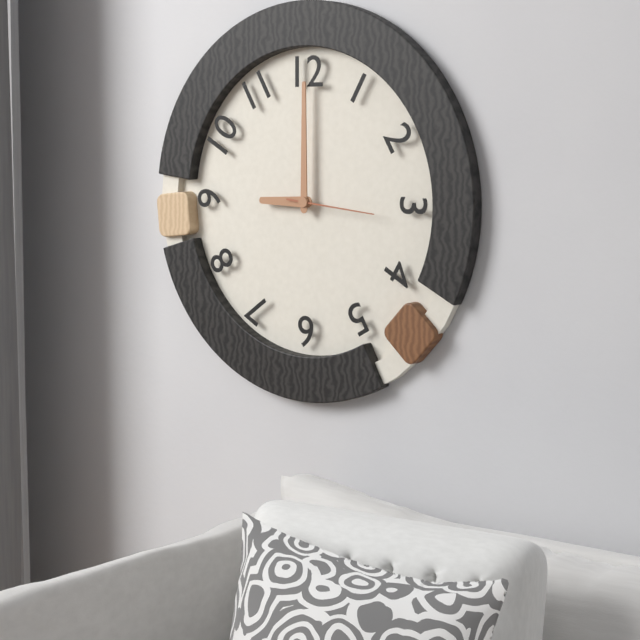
9,00,16
